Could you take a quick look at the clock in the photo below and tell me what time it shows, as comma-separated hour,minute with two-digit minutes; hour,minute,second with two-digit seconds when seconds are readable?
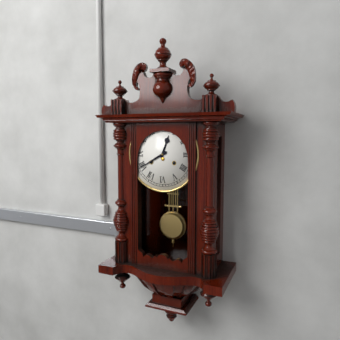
12,40
